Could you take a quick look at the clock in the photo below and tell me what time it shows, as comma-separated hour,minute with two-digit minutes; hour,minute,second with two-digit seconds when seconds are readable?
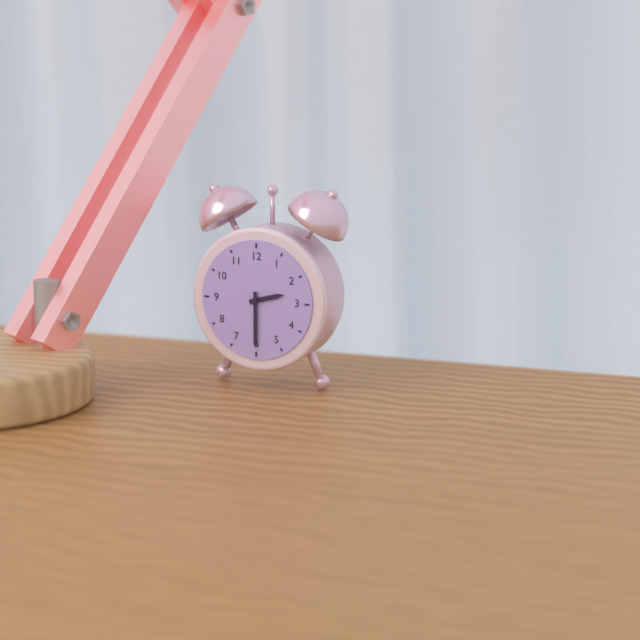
2,30
